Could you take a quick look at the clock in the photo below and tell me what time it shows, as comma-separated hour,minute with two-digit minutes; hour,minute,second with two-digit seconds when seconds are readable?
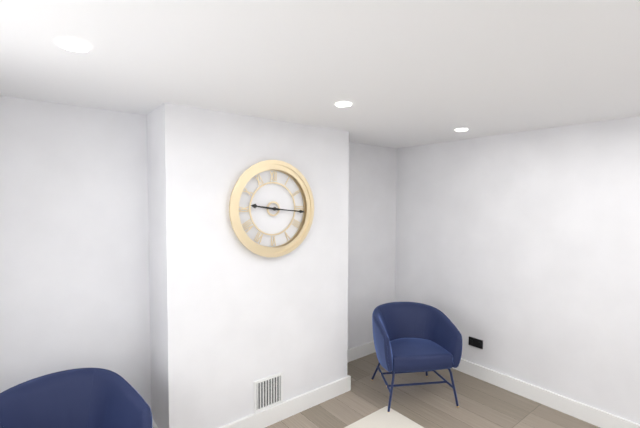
9,16
